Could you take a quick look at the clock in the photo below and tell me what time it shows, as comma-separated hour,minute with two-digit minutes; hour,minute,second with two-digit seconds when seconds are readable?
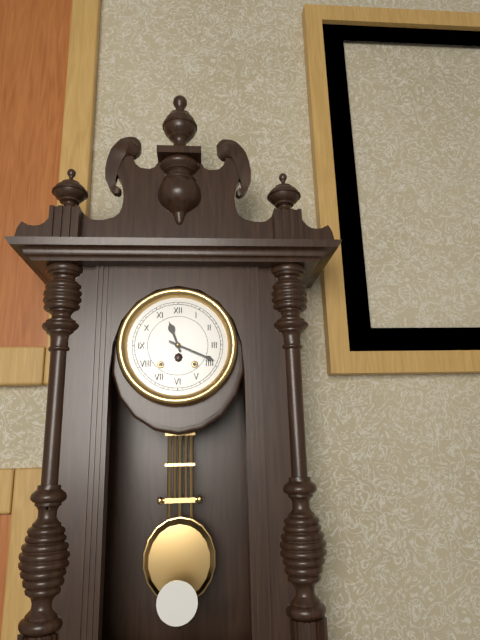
11,19
